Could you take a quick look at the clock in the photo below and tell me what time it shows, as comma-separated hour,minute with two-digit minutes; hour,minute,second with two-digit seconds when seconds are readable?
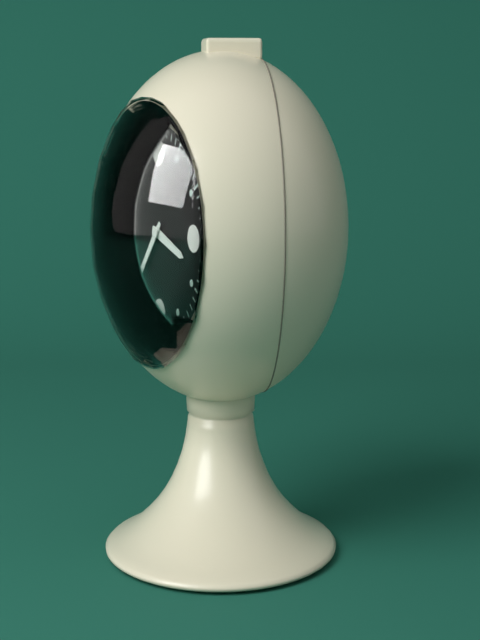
3,37
